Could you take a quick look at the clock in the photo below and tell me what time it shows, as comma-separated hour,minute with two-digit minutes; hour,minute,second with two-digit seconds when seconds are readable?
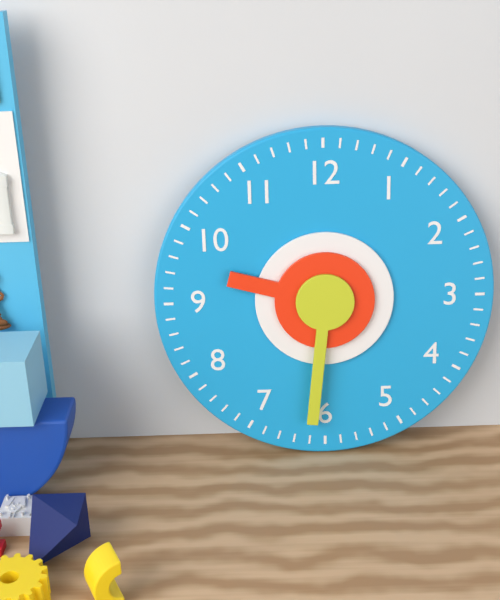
9,31
